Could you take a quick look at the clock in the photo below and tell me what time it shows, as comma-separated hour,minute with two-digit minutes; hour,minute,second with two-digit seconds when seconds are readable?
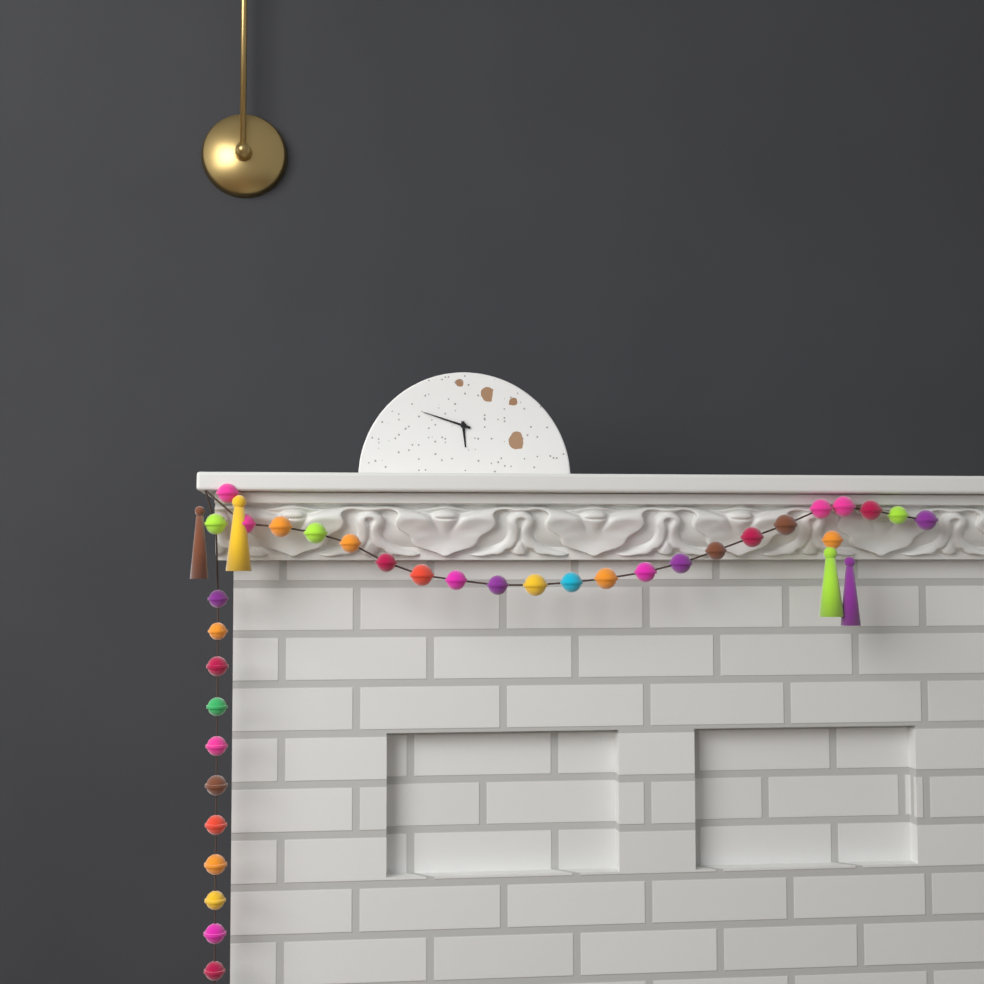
5,48
